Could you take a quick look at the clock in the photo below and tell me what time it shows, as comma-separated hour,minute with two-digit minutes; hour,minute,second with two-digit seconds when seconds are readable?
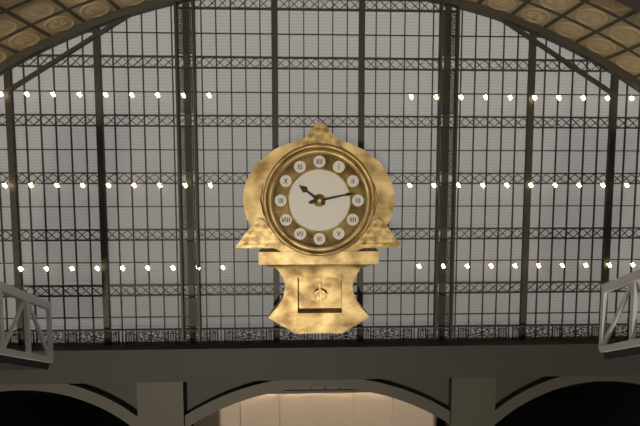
10,13
